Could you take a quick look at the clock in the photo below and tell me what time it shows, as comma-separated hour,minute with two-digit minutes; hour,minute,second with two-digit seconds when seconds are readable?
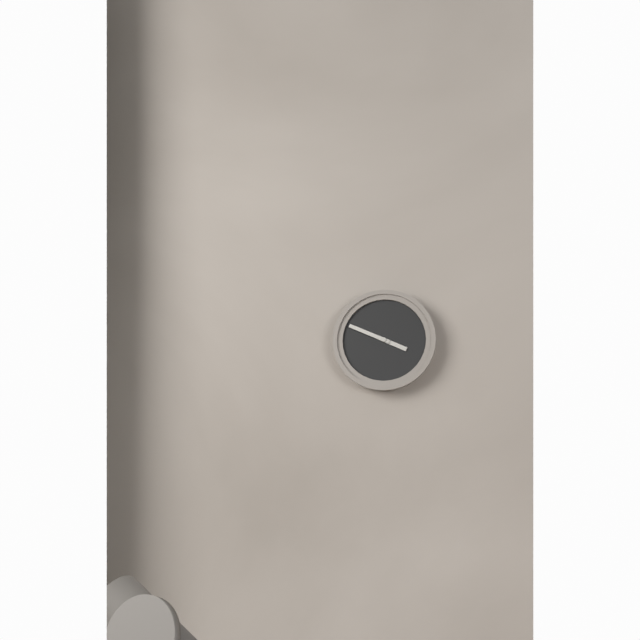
3,49
